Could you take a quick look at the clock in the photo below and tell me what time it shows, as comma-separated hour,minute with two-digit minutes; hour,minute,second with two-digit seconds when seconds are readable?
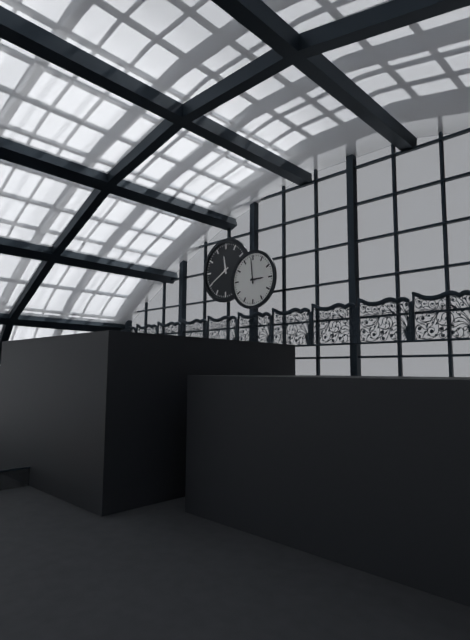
2,59
